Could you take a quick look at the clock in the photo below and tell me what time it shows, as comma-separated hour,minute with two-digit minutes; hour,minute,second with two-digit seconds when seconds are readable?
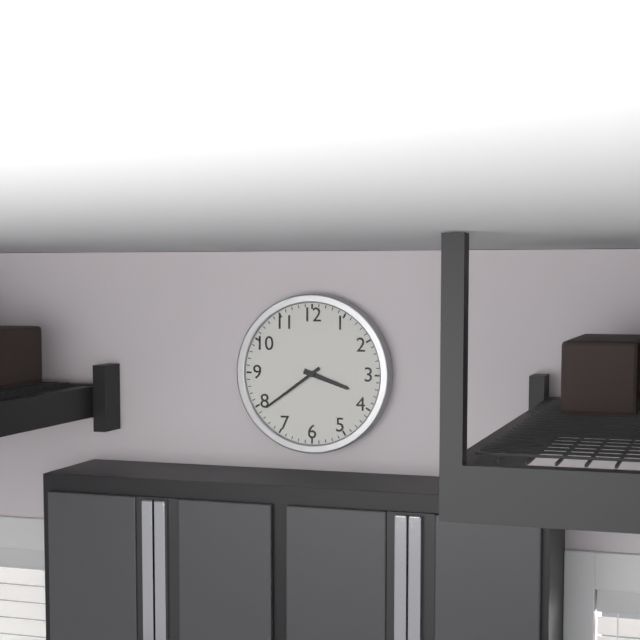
3,39
